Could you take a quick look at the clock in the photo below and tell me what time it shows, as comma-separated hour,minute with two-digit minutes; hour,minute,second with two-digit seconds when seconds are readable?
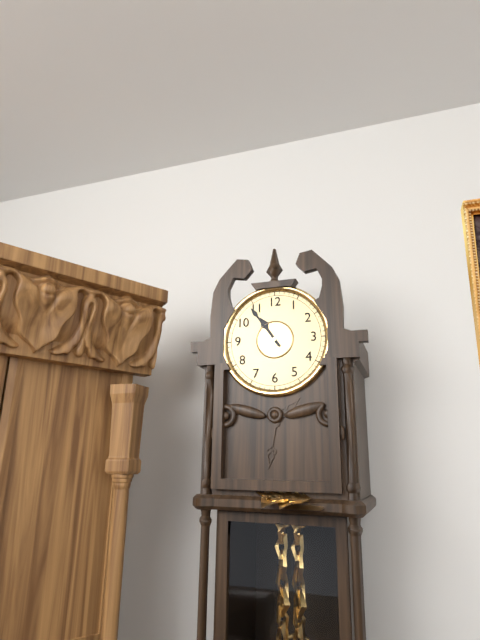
10,54
